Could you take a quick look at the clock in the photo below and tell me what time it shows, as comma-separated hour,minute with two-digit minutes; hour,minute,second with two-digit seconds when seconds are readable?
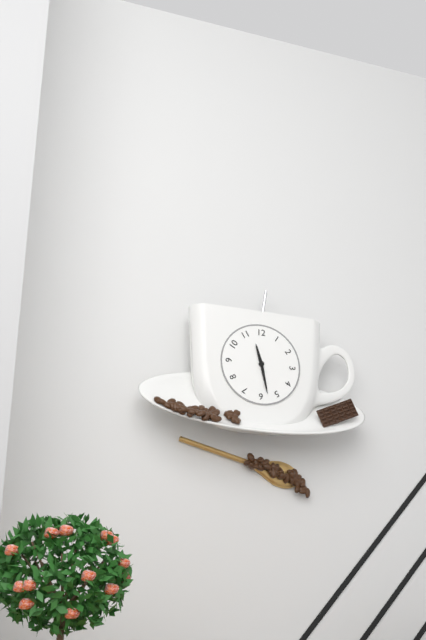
11,28
